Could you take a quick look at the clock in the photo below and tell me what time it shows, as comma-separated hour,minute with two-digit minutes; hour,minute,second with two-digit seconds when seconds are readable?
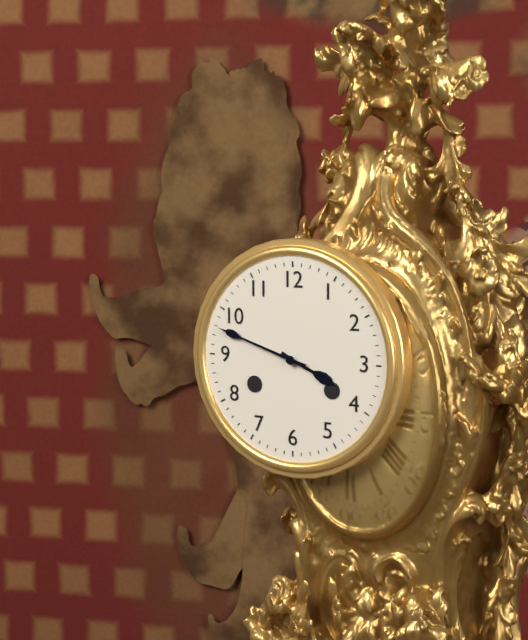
3,48
